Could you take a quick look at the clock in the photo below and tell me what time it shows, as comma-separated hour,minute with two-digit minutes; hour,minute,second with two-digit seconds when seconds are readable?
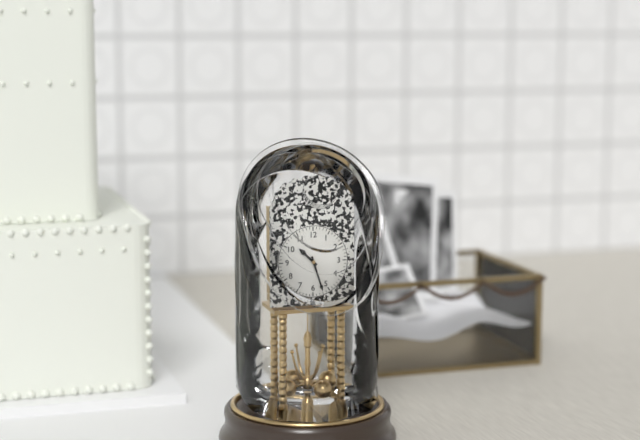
10,27
